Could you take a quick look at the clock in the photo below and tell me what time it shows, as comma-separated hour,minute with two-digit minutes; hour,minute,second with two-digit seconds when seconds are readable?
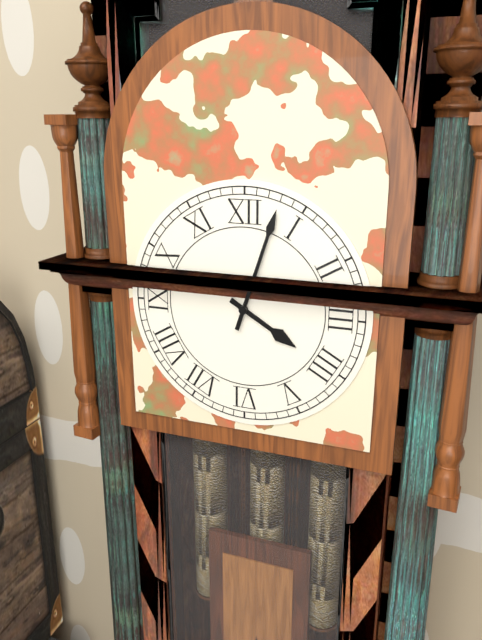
4,03
